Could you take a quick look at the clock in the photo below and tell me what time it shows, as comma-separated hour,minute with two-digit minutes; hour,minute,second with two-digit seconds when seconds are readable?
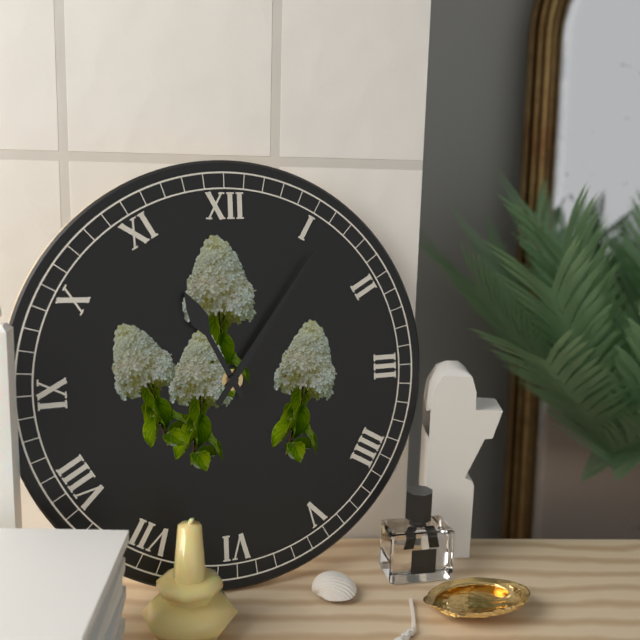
11,06
